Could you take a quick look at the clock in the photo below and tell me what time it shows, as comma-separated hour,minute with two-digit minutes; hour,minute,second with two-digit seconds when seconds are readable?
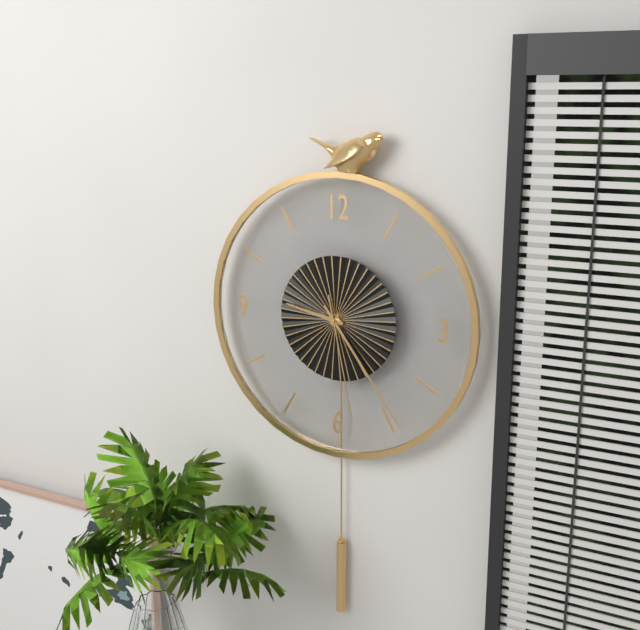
9,24,28
